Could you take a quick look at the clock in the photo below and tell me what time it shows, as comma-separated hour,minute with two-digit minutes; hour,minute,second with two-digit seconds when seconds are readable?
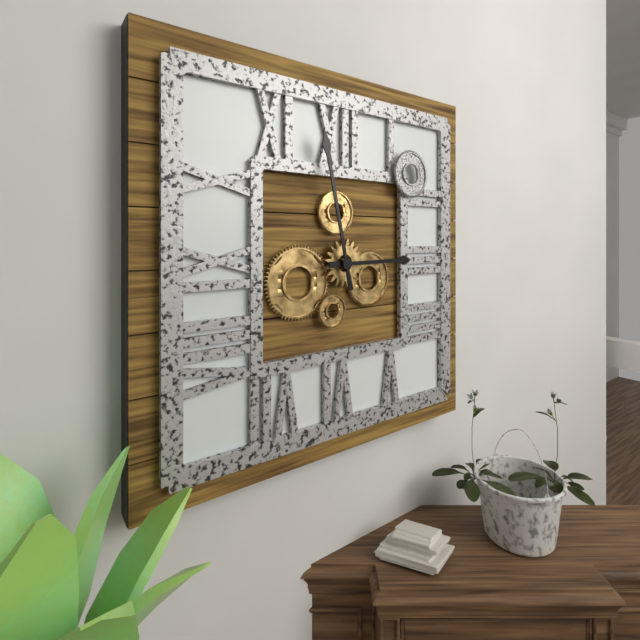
2,58
